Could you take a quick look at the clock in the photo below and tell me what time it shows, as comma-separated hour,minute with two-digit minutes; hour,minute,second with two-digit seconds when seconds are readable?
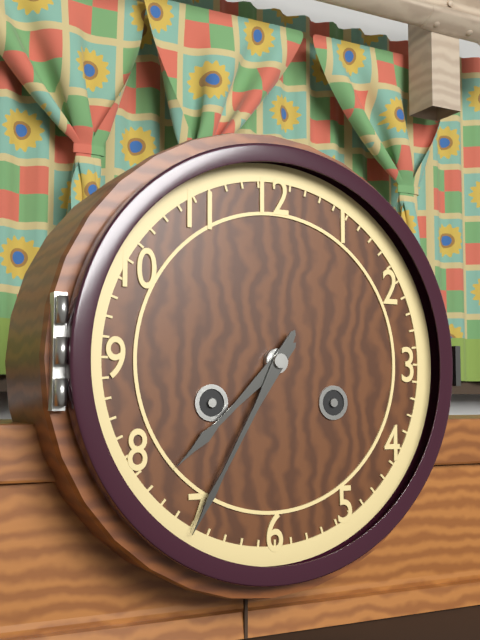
7,35
